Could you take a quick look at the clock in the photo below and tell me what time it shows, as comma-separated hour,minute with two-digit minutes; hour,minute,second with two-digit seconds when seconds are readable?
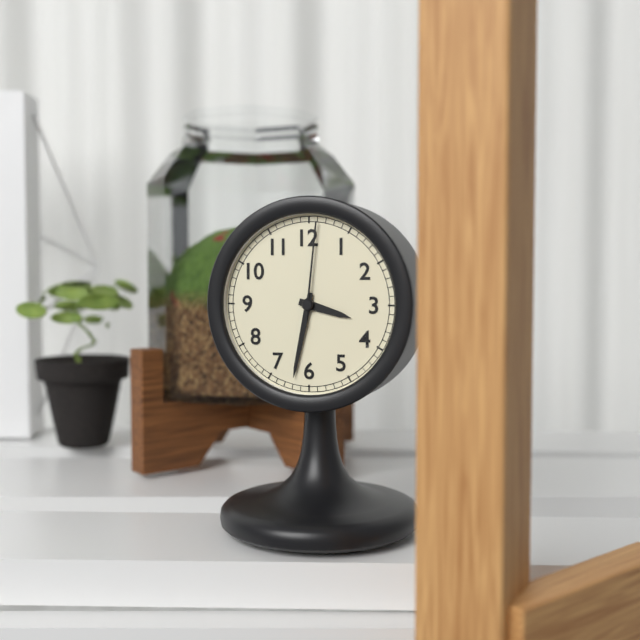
3,32,01
